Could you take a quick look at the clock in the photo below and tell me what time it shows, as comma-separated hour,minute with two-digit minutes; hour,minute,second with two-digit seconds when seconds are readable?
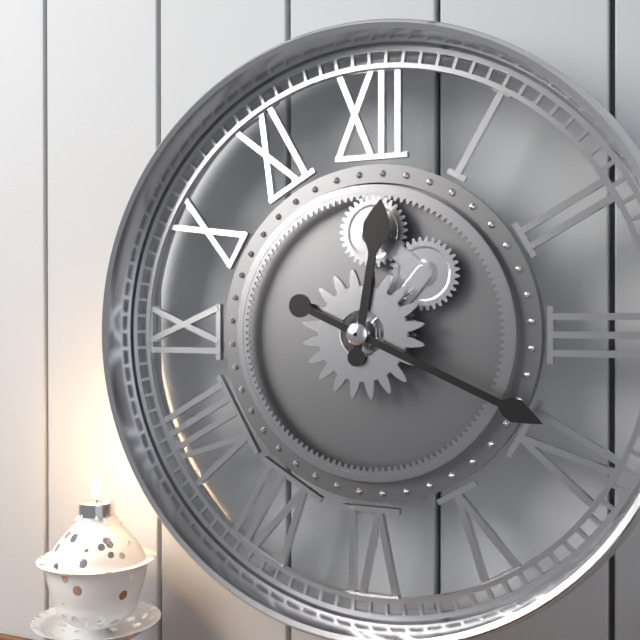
12,19
